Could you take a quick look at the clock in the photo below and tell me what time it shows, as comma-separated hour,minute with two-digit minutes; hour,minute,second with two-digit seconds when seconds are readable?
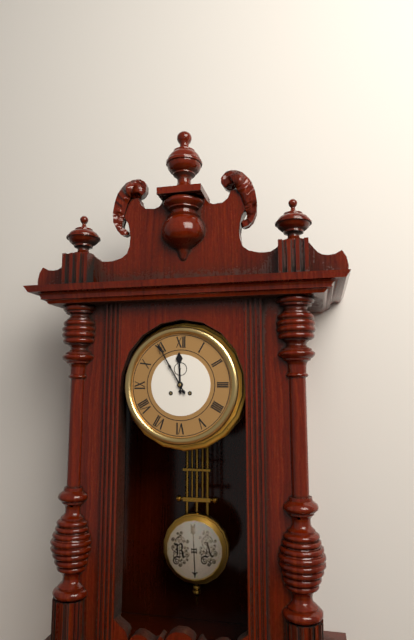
11,55
